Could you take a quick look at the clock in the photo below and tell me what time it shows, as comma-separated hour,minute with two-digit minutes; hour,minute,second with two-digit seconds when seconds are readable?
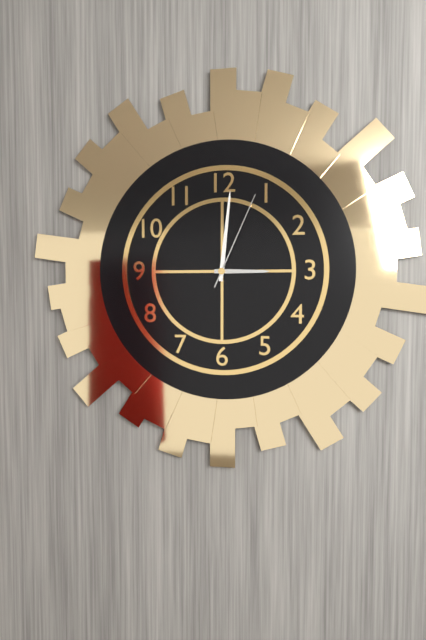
3,01,04
